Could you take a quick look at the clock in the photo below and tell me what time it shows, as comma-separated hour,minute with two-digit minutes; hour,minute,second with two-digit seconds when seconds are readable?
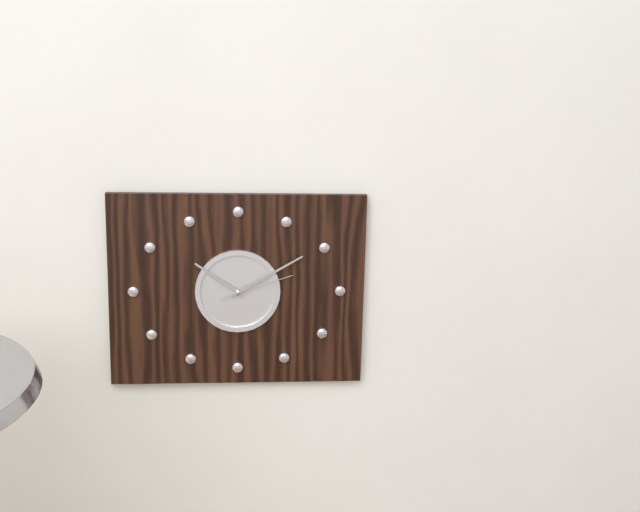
10,10,12
